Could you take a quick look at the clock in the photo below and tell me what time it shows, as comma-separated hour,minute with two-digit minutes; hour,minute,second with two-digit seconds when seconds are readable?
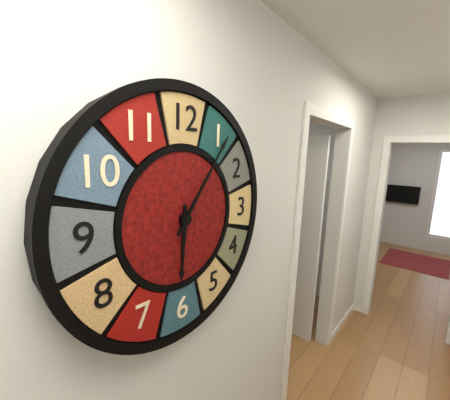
6,06
